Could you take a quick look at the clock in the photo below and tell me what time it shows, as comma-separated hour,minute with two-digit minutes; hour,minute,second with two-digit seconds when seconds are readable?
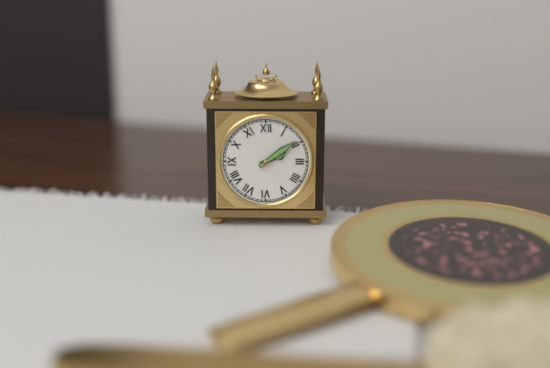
2,09
